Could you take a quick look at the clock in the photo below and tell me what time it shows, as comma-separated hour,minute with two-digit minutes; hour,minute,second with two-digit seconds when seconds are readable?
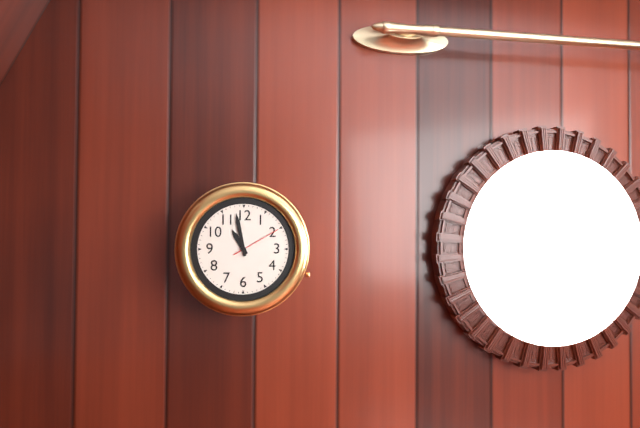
10,58
